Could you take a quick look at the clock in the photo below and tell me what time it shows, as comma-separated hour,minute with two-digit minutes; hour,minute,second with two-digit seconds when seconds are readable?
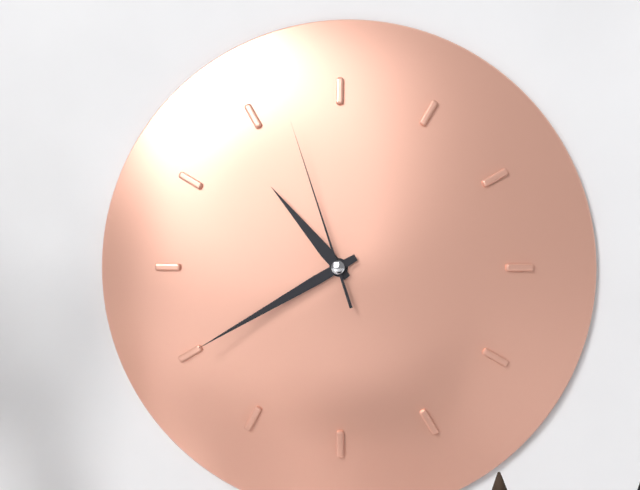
10,40,57
